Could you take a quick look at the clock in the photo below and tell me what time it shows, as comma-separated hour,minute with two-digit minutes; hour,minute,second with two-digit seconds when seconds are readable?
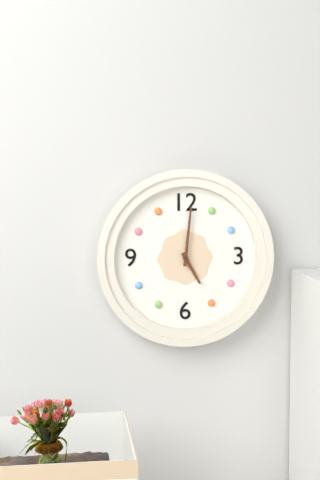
5,01
